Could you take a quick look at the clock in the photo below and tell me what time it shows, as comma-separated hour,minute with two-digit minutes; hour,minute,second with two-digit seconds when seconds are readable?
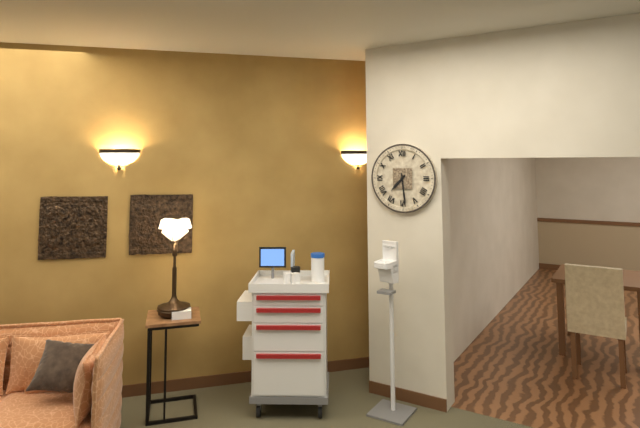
7,29
